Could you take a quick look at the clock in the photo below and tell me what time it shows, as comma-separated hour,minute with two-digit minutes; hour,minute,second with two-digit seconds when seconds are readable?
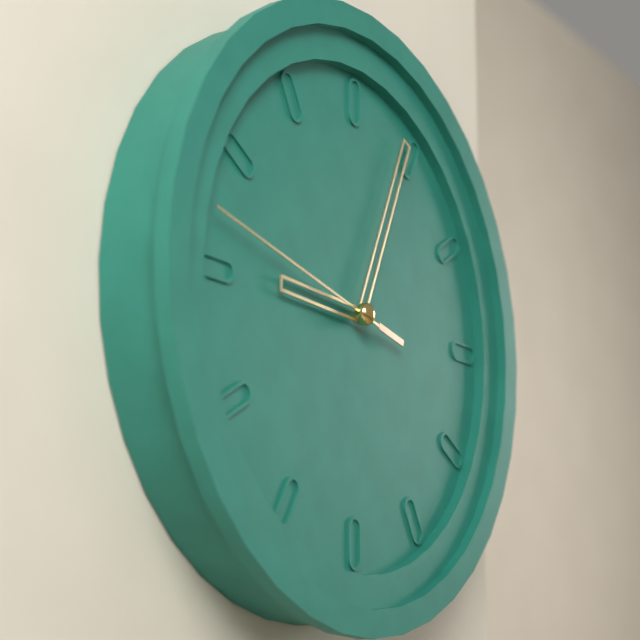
9,04,47
